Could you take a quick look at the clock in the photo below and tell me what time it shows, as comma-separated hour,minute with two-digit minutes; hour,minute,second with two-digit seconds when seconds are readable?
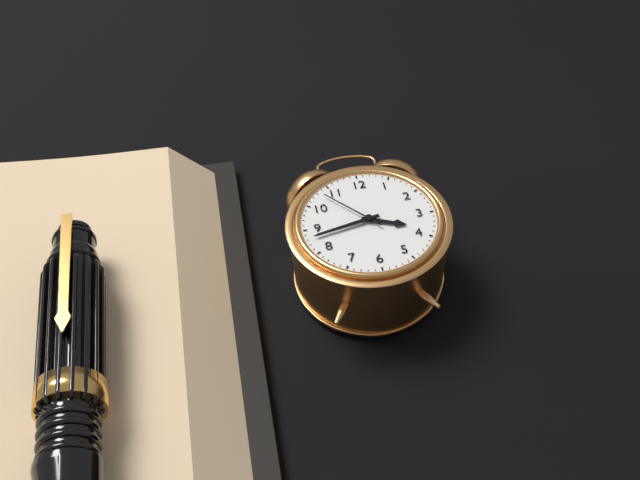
3,43,53
